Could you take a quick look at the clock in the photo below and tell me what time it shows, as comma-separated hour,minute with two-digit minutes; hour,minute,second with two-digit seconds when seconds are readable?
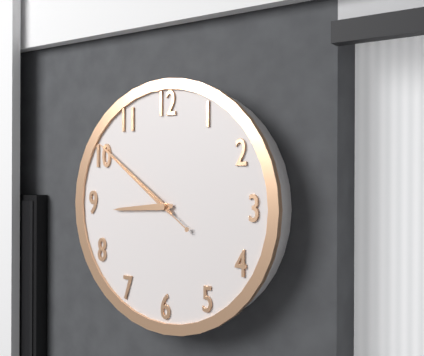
8,51,51
